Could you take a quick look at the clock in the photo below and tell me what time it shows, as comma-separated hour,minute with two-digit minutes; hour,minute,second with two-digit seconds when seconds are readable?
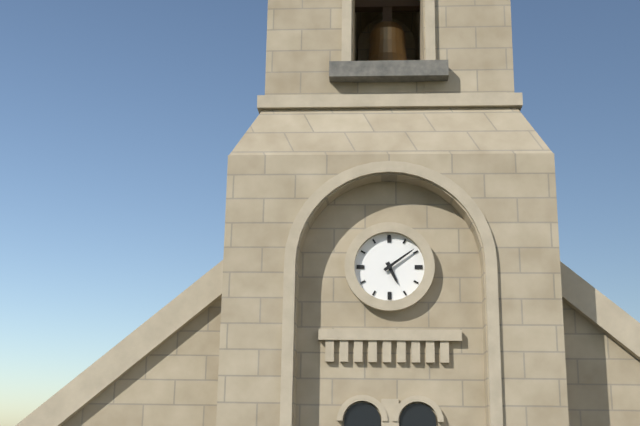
5,09
